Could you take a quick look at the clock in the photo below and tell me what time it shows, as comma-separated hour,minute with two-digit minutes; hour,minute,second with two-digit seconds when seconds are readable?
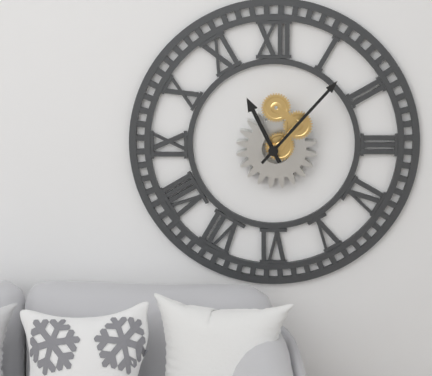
11,07
